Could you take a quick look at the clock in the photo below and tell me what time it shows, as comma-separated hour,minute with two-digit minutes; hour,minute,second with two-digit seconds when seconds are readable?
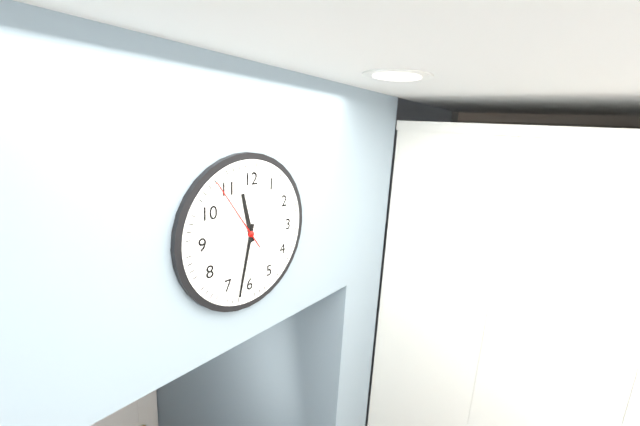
11,32,54
